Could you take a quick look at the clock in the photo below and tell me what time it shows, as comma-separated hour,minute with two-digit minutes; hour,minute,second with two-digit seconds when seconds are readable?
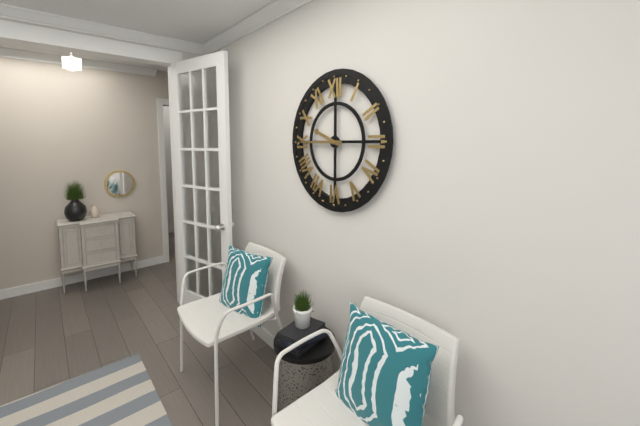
9,45
